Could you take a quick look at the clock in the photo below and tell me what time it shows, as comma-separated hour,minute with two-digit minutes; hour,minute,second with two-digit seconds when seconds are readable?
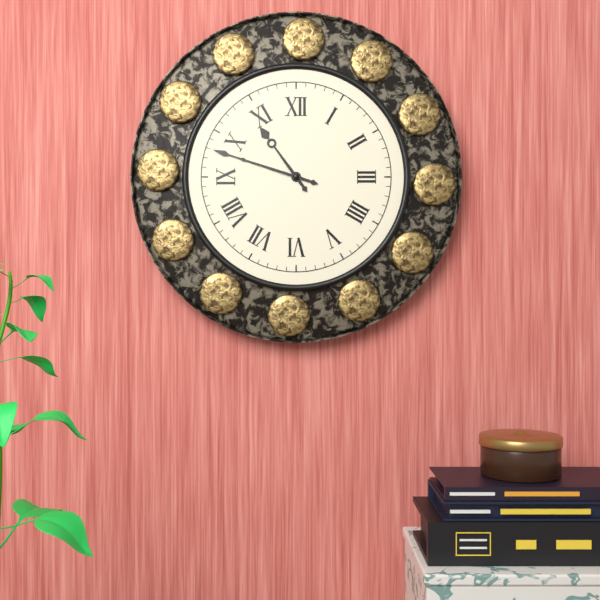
10,48
